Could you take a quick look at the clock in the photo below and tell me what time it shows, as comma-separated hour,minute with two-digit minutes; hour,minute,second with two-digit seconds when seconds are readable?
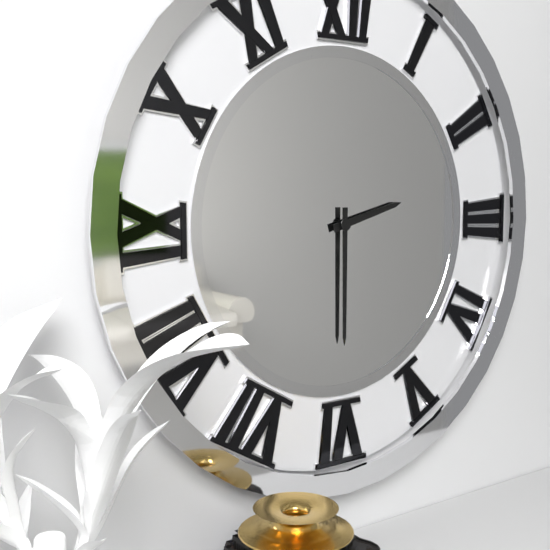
2,30
